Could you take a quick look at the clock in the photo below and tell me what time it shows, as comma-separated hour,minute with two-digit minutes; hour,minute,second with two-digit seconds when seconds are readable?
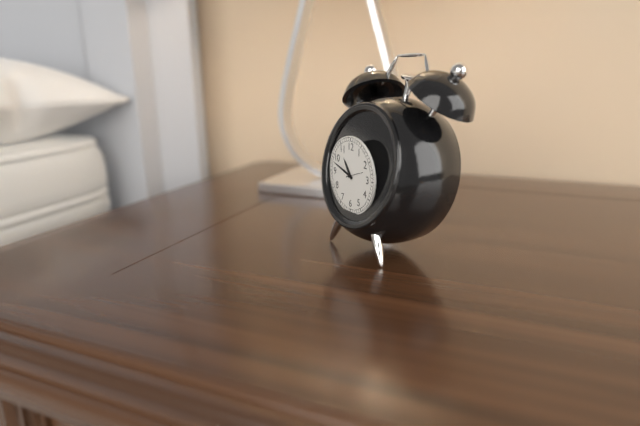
10,48
